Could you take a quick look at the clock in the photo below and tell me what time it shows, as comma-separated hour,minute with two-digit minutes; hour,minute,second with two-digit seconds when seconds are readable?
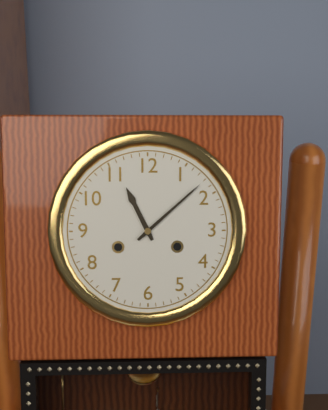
11,08
